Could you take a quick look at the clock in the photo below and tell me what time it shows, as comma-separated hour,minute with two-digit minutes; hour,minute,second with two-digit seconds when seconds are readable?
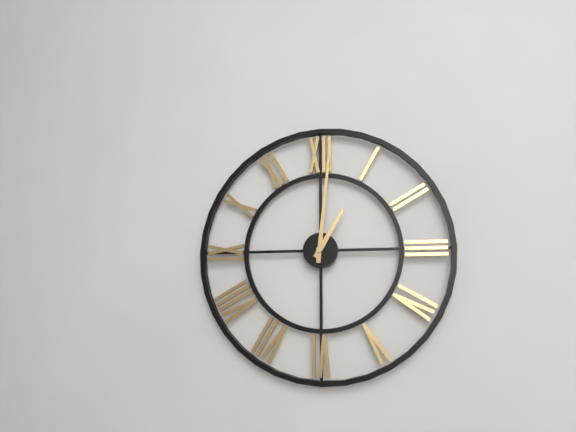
1,01
